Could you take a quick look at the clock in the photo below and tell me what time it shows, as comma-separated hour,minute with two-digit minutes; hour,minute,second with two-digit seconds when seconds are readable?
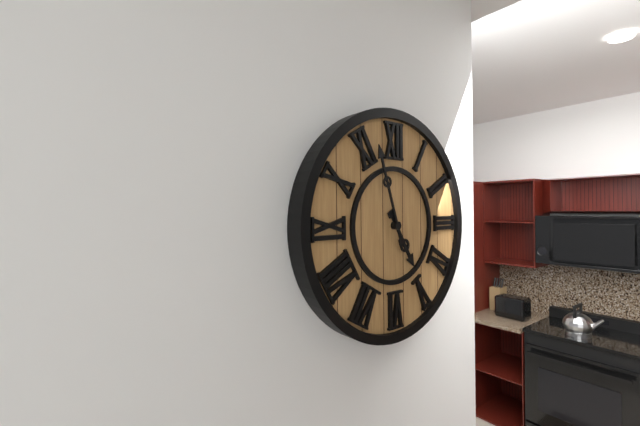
4,57
